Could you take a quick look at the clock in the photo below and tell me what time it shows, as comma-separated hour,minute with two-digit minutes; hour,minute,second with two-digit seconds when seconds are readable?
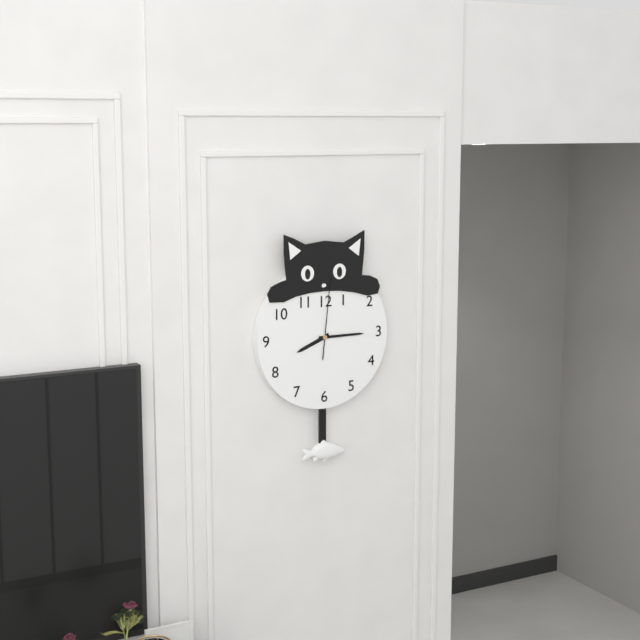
8,15,01
